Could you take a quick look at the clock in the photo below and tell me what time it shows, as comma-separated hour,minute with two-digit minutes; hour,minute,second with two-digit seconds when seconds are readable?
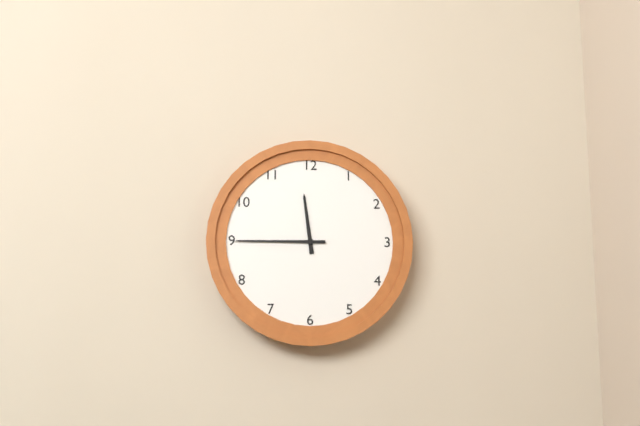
11,45
